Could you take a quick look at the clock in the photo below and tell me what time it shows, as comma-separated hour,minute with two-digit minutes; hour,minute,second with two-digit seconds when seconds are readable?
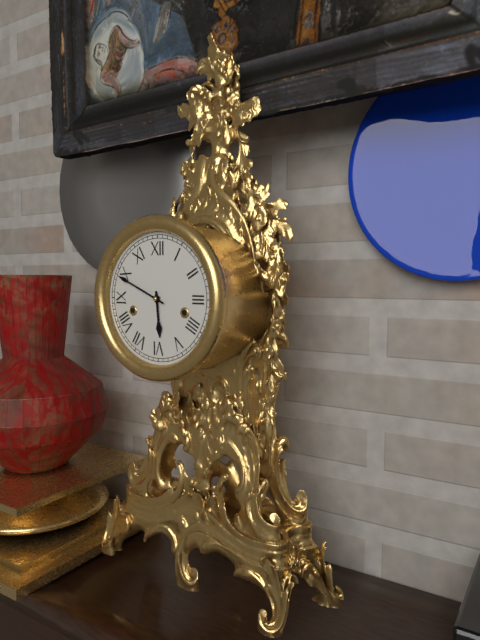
5,49
